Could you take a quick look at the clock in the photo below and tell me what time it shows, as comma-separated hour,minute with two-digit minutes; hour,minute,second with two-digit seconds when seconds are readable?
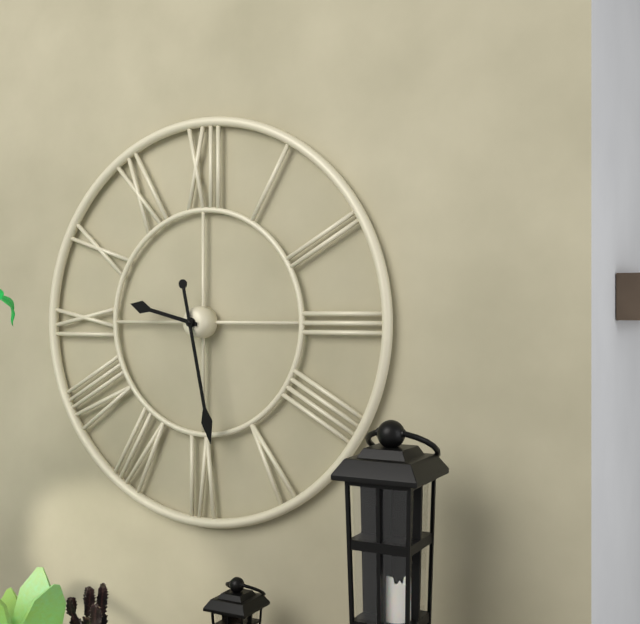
9,28
